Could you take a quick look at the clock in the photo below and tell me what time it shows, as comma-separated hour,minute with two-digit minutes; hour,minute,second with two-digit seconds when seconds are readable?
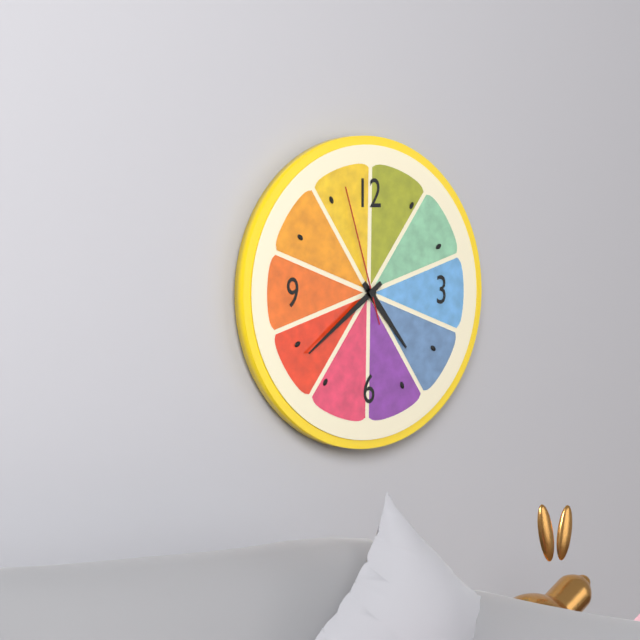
4,39,57
